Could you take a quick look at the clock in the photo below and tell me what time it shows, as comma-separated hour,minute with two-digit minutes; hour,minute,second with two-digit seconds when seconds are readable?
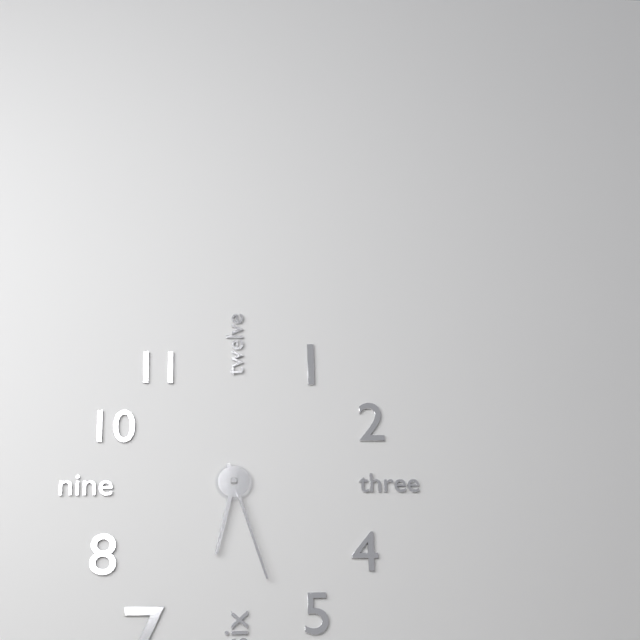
6,27
